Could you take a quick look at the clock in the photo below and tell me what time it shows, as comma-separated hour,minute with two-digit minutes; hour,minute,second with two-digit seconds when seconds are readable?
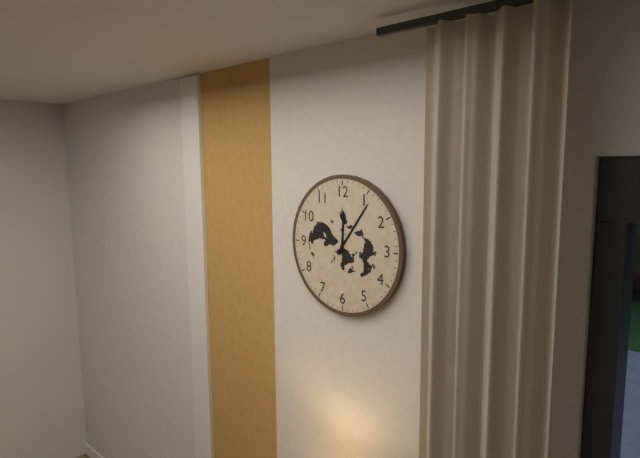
12,06
